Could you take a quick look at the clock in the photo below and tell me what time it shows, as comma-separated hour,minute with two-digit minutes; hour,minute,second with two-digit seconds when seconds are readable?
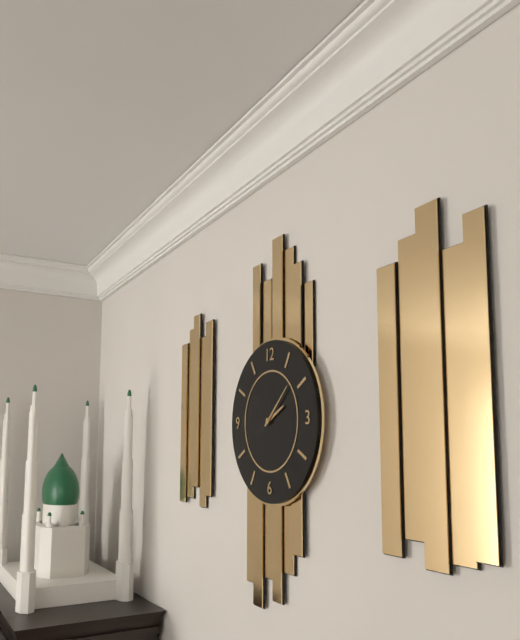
2,08
